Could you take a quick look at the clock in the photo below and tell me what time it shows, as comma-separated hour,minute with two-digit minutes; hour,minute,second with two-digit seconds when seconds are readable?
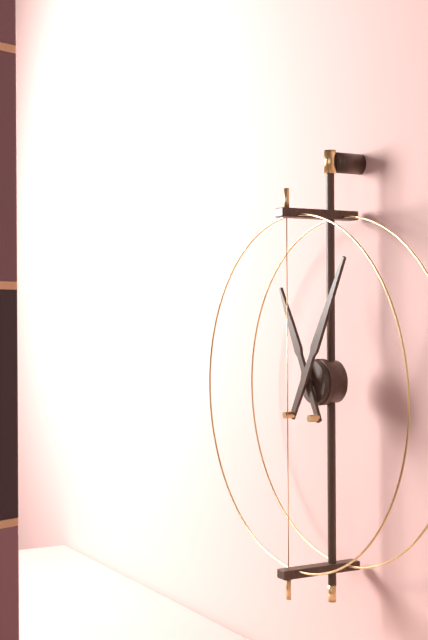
11,05
